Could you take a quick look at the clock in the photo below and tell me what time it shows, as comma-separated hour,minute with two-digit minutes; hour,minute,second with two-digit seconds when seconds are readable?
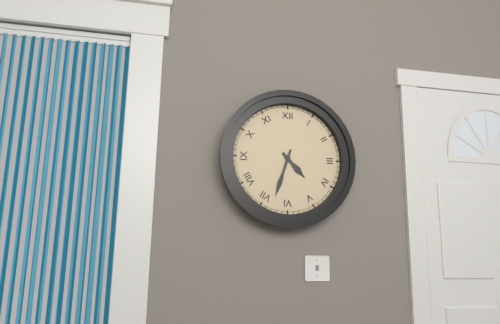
4,33
